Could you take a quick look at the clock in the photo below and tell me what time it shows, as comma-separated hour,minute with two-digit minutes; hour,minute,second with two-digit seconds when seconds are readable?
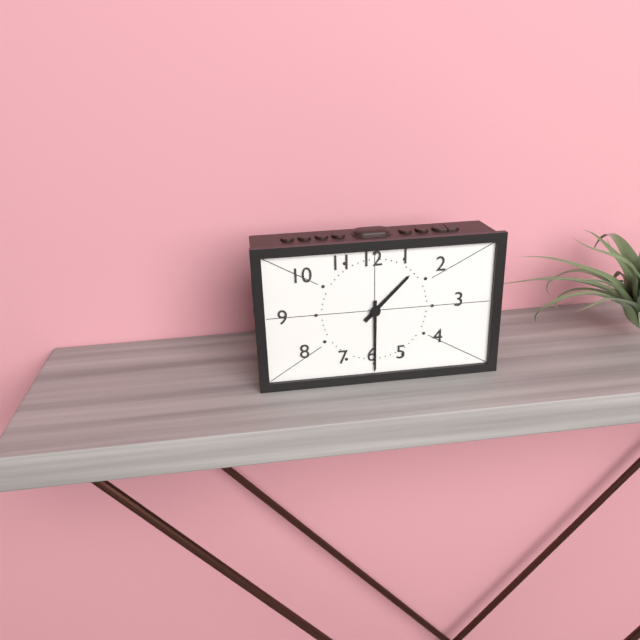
1,30
